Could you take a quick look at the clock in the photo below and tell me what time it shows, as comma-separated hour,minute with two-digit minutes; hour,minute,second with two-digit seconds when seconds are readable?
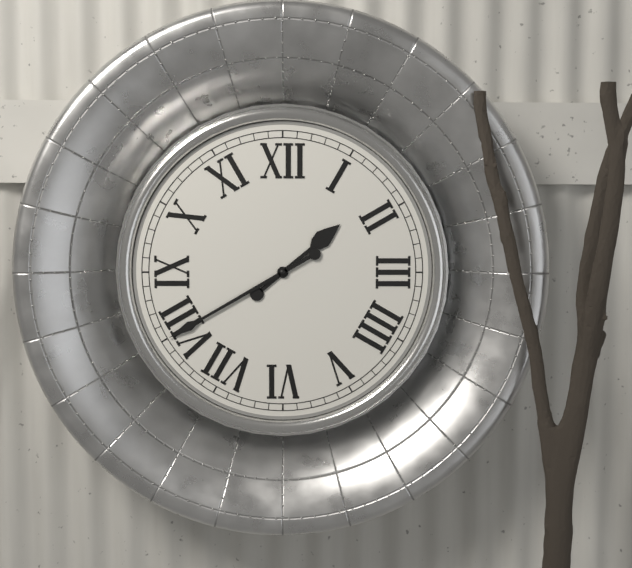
1,40
